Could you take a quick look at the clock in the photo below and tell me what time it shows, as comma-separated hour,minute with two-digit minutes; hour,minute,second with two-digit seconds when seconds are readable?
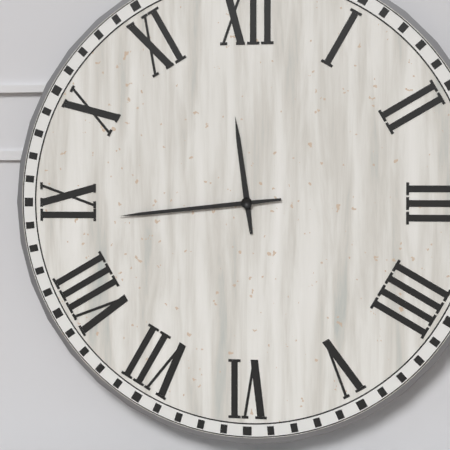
11,44
